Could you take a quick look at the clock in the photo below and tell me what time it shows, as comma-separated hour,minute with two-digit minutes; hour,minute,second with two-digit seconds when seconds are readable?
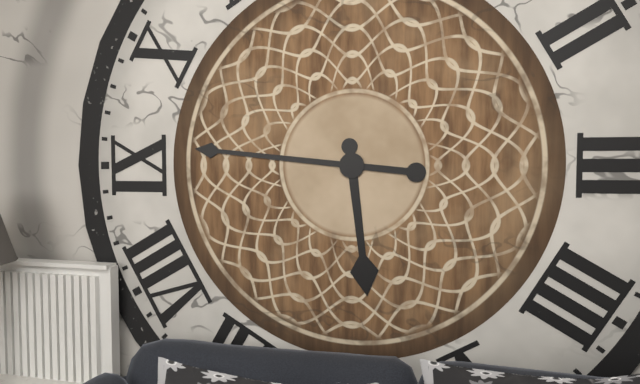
5,46
